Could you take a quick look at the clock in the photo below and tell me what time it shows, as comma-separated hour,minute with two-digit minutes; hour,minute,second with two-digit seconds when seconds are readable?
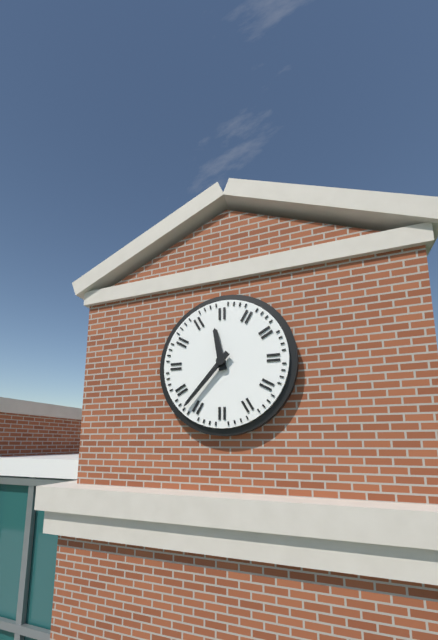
11,37
